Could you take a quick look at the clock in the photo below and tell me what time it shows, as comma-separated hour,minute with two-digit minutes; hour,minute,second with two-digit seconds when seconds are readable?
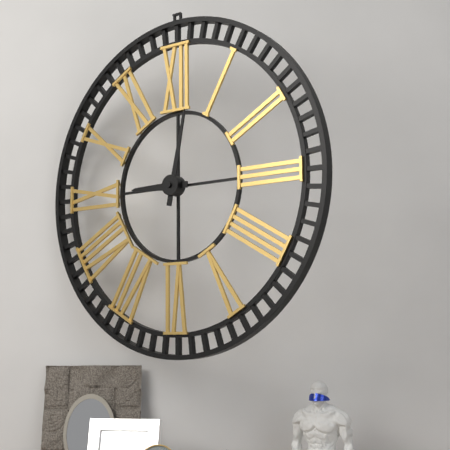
9,02
